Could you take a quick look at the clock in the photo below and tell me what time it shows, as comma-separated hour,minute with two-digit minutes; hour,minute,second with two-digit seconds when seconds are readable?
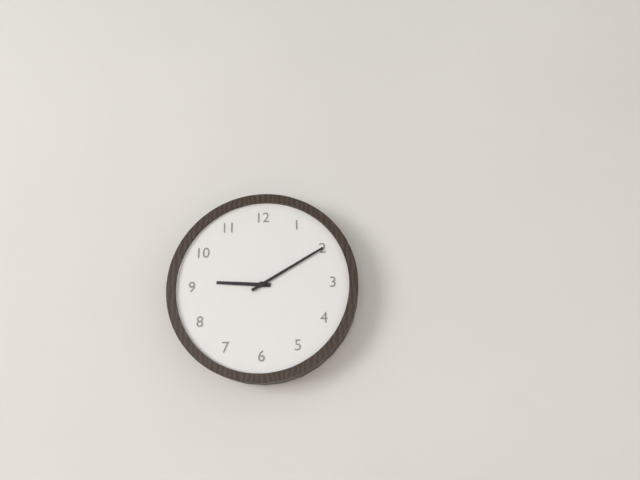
9,10
